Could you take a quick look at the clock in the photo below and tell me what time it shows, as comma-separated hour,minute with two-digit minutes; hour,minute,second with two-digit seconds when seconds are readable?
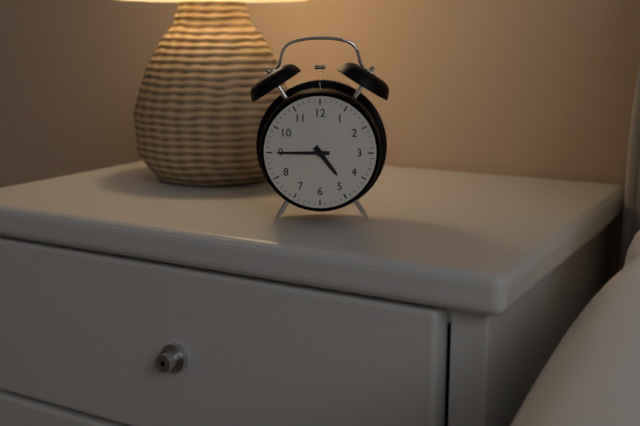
4,45
